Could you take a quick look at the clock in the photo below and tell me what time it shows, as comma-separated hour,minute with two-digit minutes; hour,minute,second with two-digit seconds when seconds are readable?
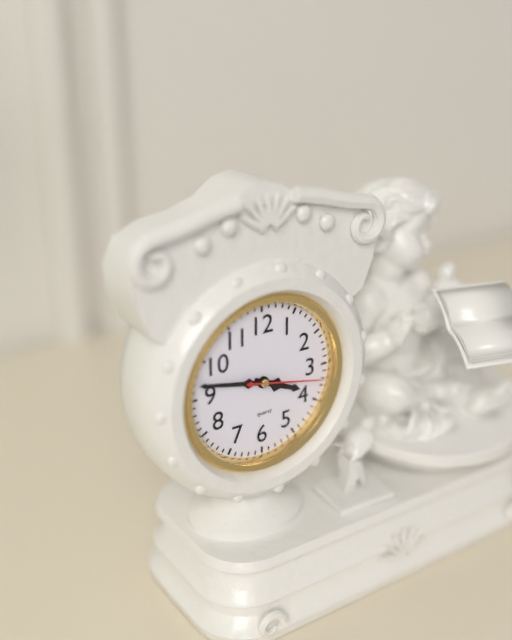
3,47,17
